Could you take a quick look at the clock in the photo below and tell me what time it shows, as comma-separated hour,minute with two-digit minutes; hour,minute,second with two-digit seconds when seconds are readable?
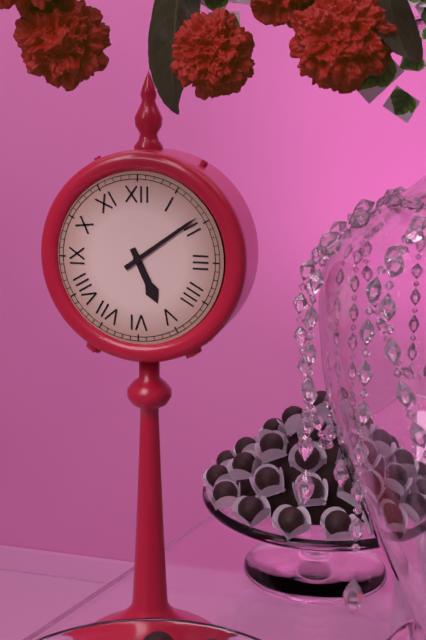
5,09
